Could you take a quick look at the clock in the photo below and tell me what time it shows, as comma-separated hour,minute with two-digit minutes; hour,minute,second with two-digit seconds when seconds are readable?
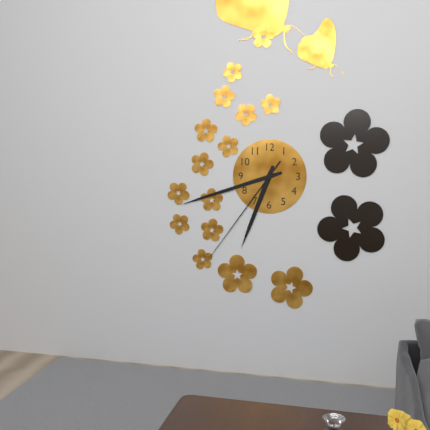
6,42,36
